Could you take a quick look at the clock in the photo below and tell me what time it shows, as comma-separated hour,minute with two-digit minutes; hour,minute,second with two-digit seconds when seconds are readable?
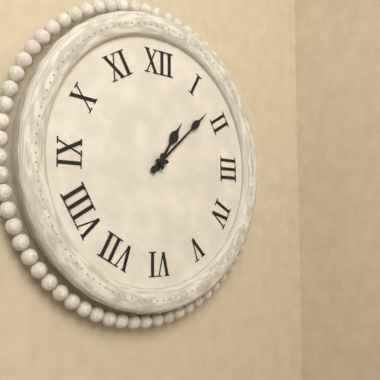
1,08
